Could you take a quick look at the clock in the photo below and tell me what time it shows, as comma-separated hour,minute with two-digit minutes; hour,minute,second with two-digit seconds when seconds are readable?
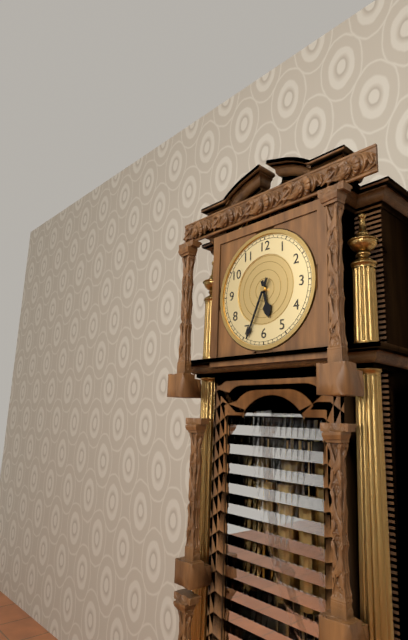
5,34
